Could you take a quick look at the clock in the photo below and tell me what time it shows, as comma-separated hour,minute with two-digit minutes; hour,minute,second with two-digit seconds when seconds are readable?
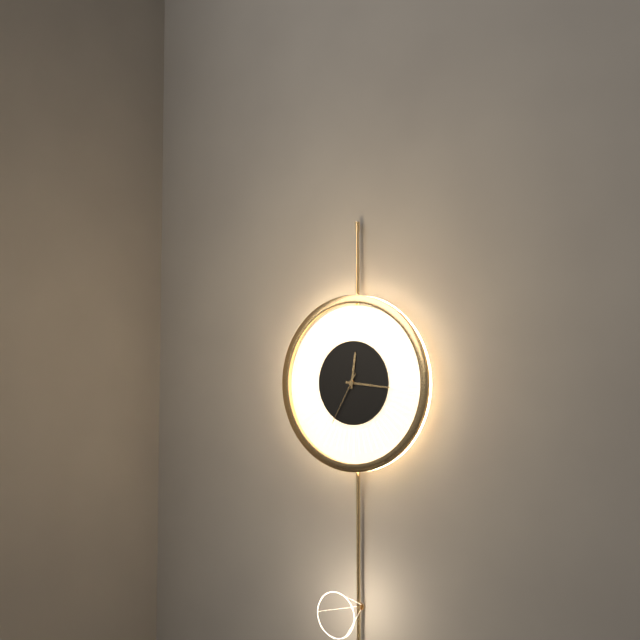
12,16,35
